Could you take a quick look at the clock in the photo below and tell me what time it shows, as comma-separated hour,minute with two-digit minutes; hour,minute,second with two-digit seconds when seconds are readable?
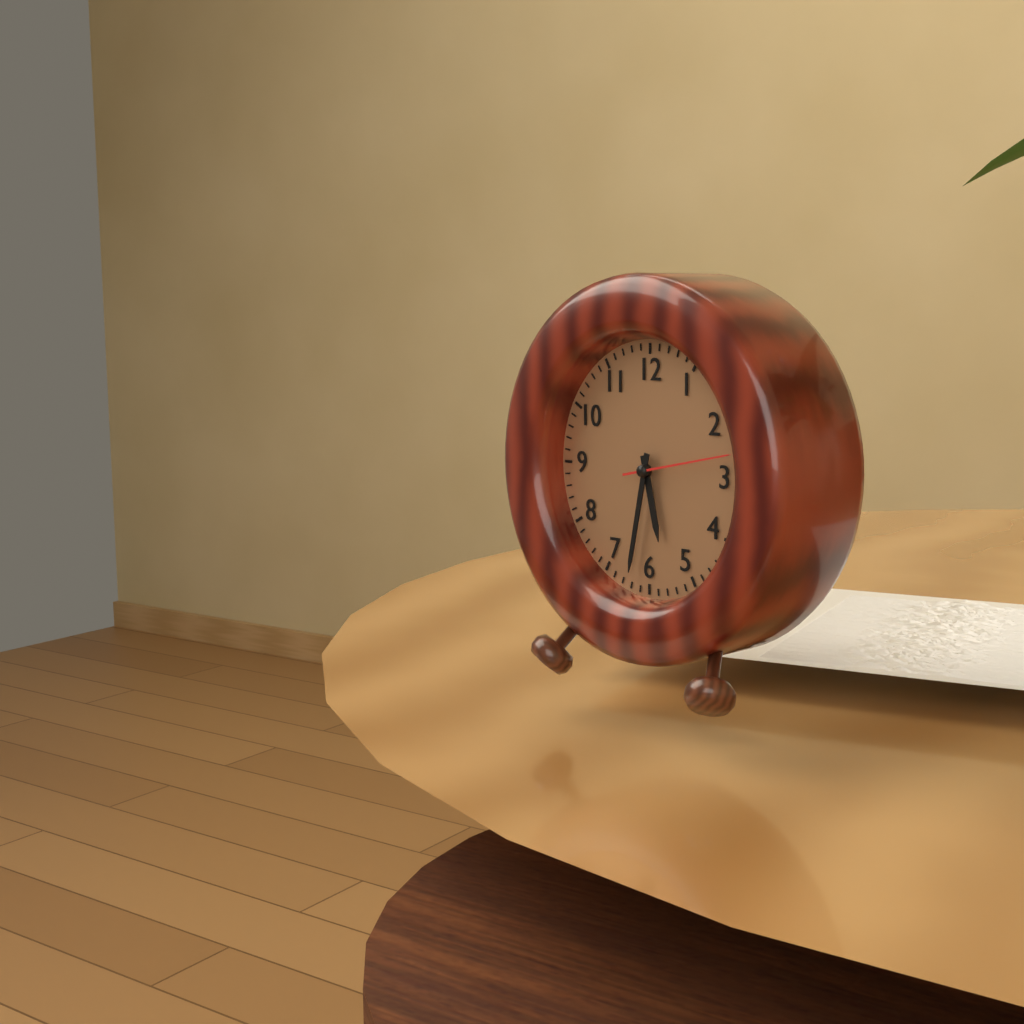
5,32,13
